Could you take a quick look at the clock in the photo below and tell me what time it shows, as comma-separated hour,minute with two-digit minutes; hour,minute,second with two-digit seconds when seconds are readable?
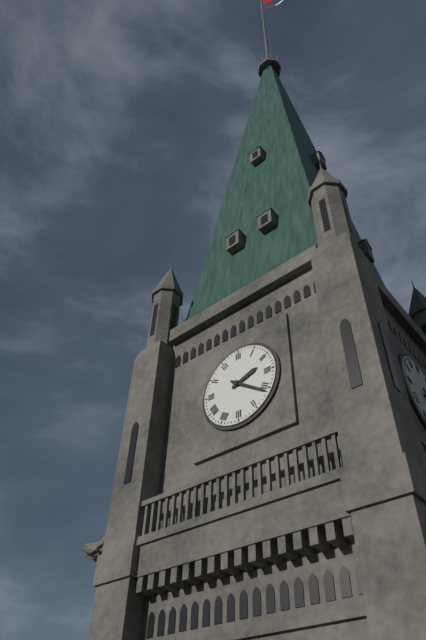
2,21
